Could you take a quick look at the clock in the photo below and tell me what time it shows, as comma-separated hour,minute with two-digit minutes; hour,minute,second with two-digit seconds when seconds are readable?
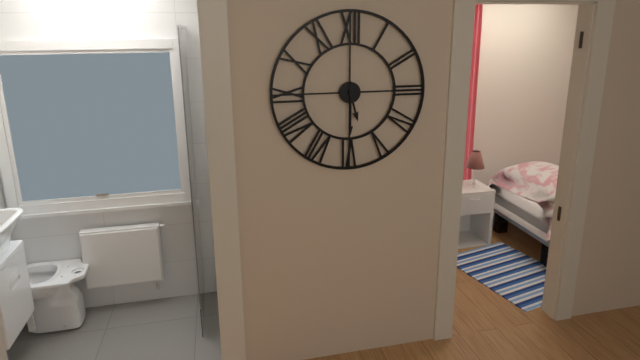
5,30
